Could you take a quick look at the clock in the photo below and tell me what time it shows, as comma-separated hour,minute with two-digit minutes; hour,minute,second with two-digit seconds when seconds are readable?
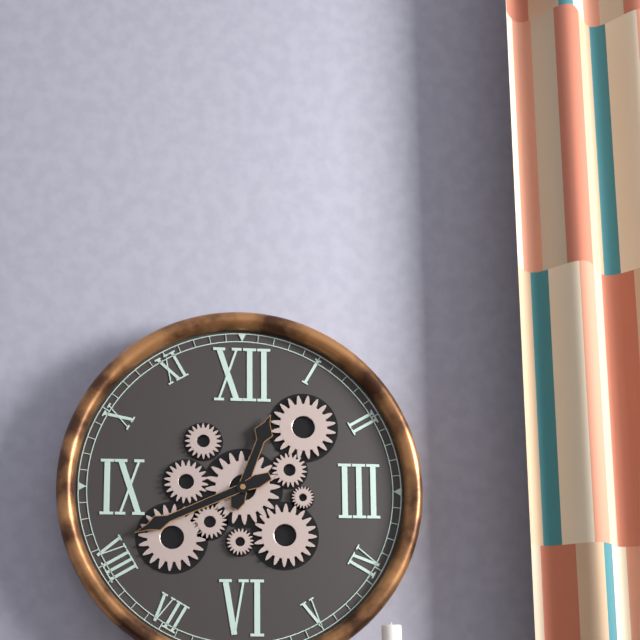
12,41
